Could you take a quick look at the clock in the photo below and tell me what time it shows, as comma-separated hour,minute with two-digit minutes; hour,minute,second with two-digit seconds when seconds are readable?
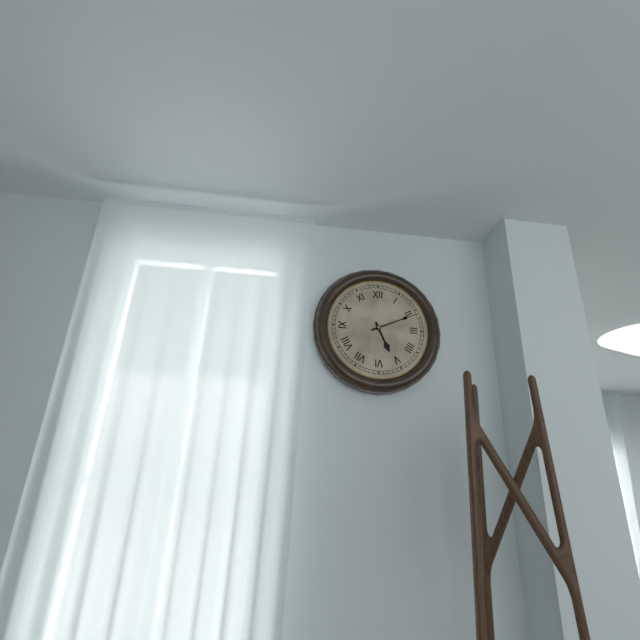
5,11
